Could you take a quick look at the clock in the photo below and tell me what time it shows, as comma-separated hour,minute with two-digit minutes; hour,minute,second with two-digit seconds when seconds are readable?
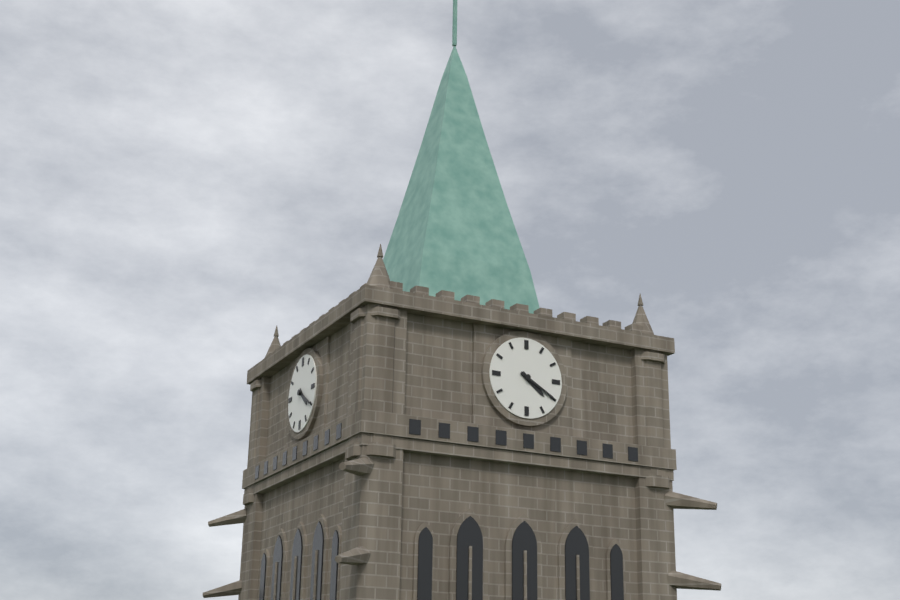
4,20
